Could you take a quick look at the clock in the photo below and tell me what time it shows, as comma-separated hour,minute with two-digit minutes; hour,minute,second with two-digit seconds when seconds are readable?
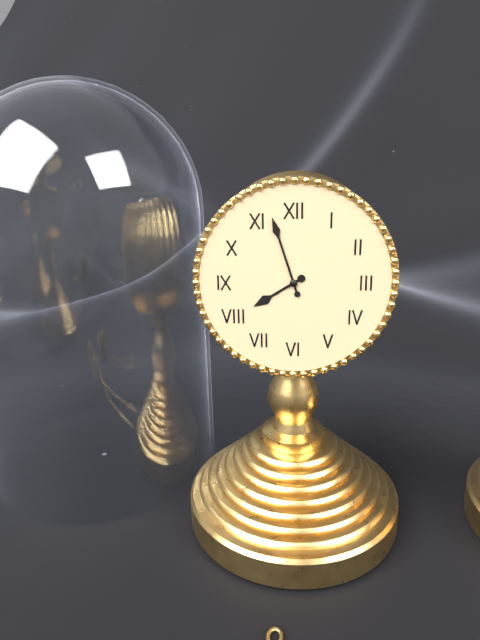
7,57
